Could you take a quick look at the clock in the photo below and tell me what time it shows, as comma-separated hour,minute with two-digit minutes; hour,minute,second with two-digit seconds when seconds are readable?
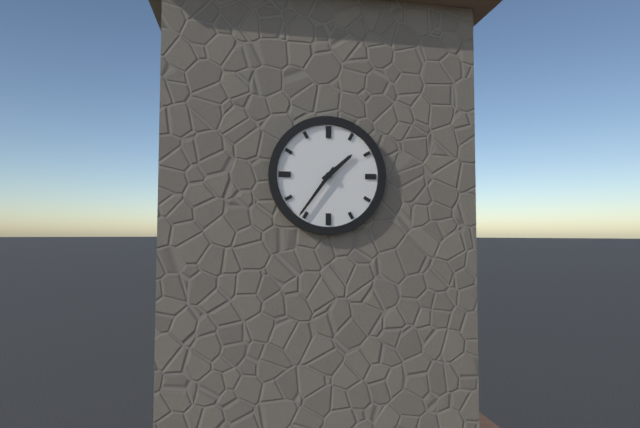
1,36
